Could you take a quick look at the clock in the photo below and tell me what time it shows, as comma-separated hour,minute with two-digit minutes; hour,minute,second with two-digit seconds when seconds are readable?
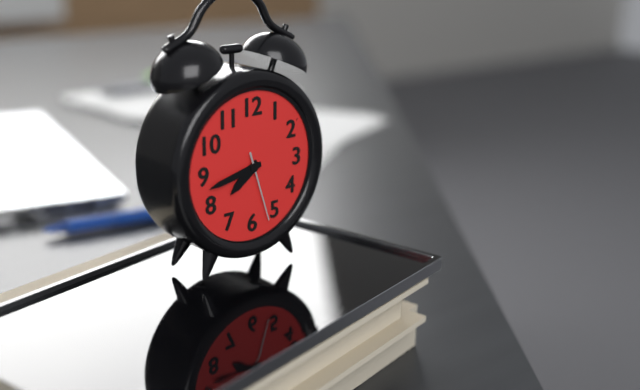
7,43,27
